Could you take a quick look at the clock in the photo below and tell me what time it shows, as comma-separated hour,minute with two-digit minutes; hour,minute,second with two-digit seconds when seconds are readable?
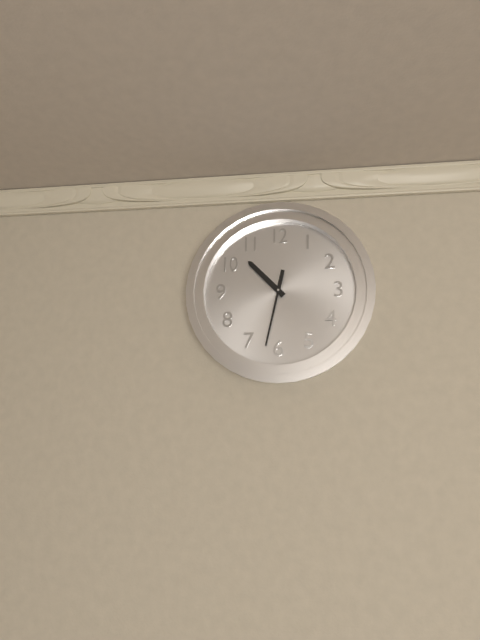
10,32
